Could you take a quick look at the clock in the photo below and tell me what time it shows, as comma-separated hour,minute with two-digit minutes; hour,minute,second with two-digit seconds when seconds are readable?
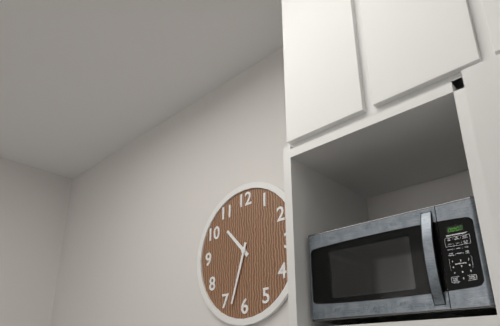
10,33
